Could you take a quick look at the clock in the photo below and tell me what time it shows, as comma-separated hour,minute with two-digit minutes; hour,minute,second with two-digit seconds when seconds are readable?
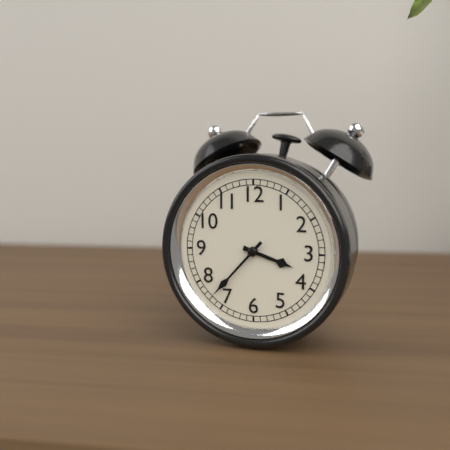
3,37
